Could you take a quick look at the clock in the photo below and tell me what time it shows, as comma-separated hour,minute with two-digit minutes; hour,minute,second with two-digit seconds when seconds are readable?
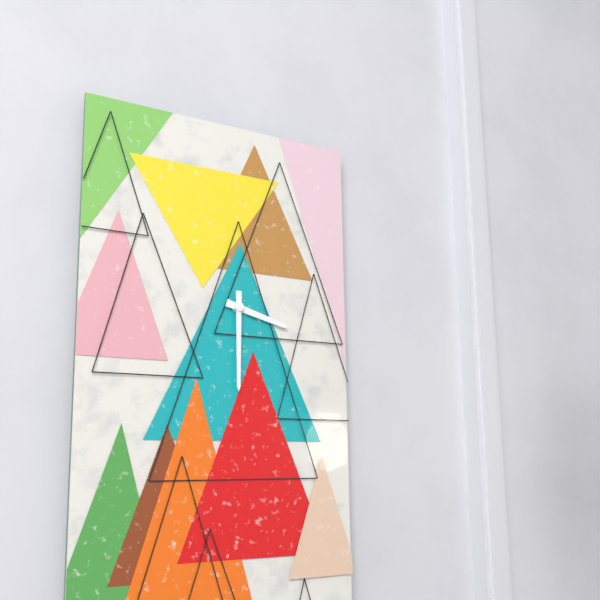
3,30
